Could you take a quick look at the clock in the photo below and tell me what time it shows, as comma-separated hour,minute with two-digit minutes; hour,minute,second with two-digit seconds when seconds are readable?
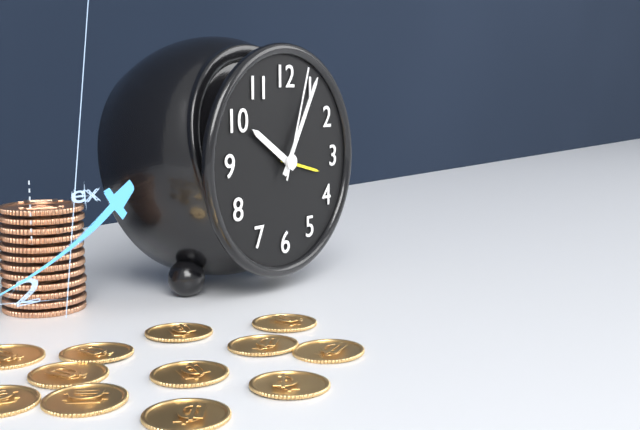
10,05,03
